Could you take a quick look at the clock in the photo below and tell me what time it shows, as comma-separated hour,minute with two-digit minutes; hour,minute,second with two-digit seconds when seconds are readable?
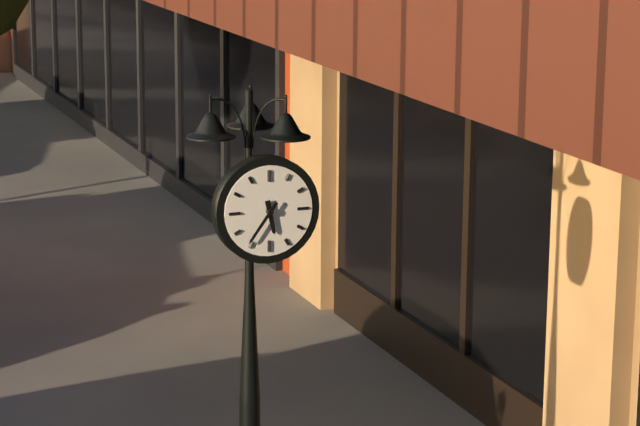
5,36
